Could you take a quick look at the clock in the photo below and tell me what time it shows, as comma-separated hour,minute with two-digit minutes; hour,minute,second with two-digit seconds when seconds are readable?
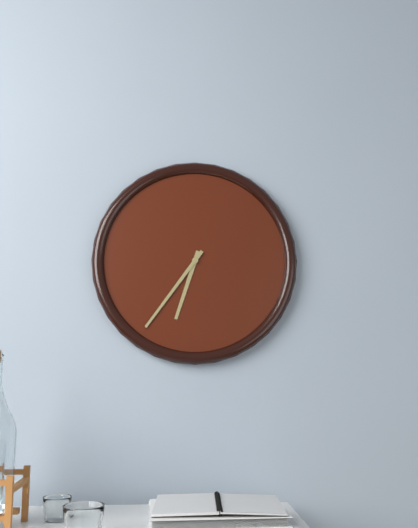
6,36
